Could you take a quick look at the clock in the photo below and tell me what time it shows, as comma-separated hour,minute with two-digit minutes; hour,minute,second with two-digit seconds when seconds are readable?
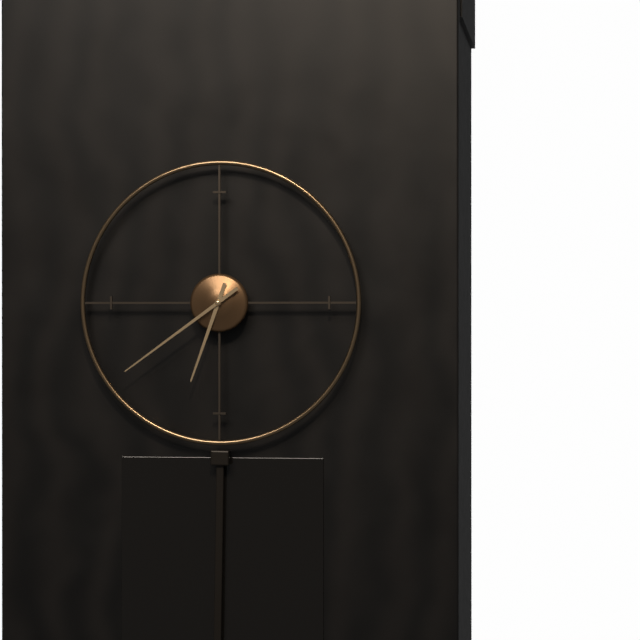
6,39
